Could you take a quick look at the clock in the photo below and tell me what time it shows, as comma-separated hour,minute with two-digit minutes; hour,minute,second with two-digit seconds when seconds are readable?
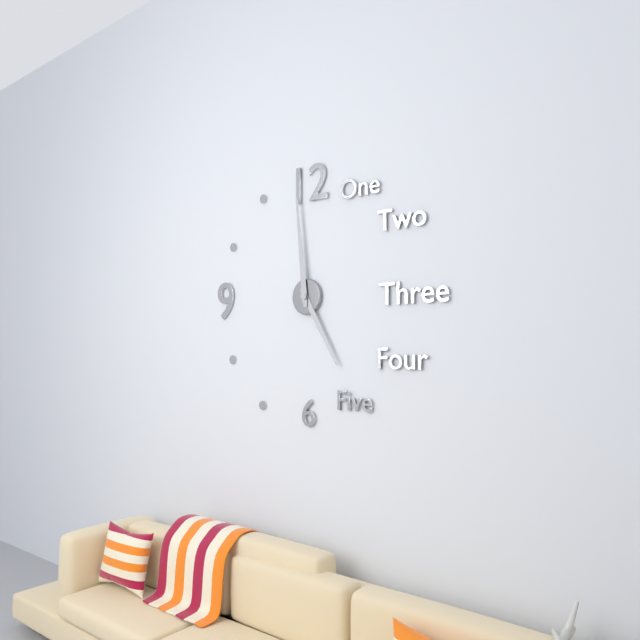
4,59
